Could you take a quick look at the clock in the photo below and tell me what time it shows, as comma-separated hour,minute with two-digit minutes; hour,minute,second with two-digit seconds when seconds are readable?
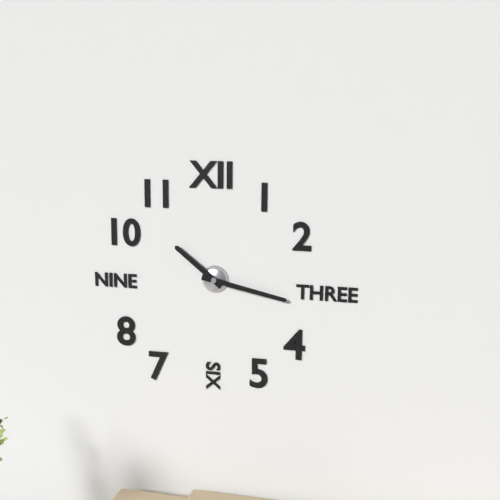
10,17
